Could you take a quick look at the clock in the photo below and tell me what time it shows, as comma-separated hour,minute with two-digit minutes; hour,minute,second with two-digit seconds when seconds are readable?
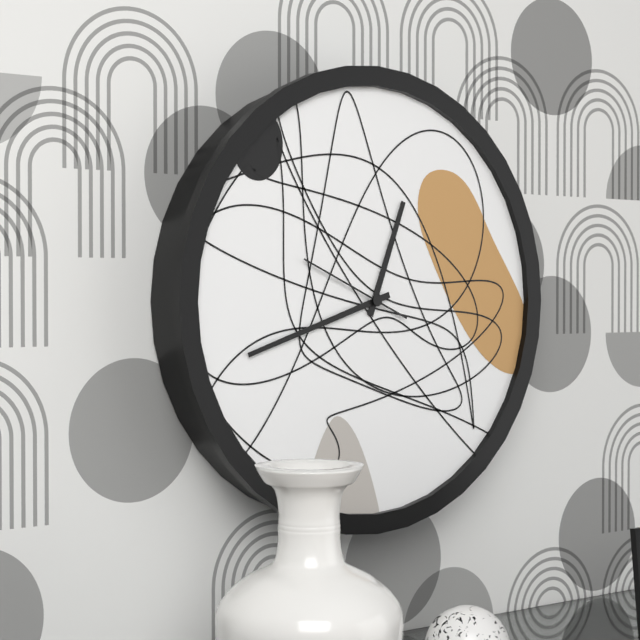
12,42,49
